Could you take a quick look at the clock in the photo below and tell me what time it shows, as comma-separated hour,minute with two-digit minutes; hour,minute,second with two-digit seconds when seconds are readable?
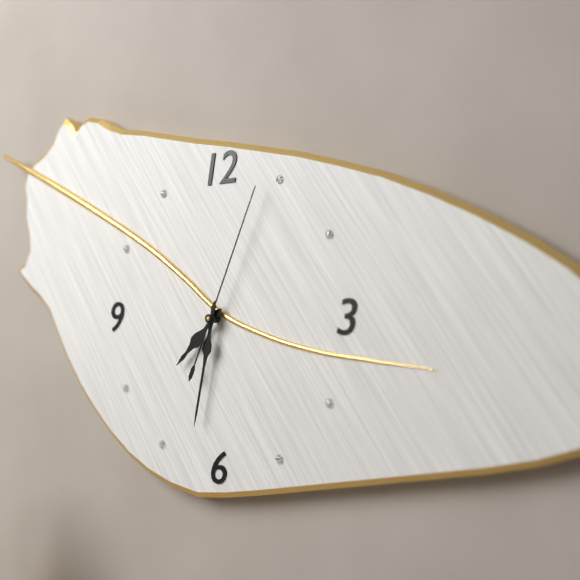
7,32,04
